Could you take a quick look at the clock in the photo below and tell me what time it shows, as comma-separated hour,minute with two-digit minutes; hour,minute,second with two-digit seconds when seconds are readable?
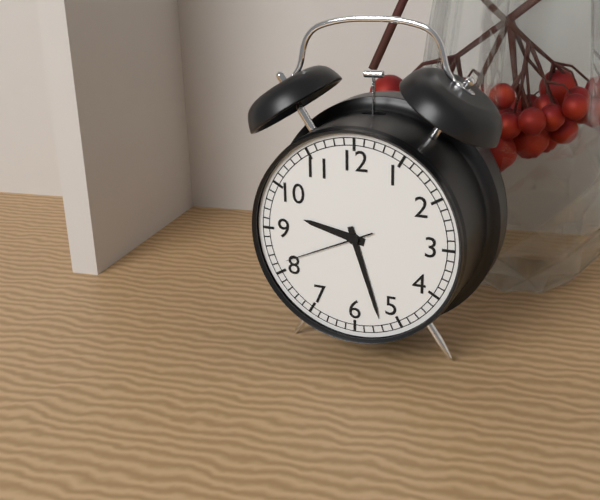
9,27,41
